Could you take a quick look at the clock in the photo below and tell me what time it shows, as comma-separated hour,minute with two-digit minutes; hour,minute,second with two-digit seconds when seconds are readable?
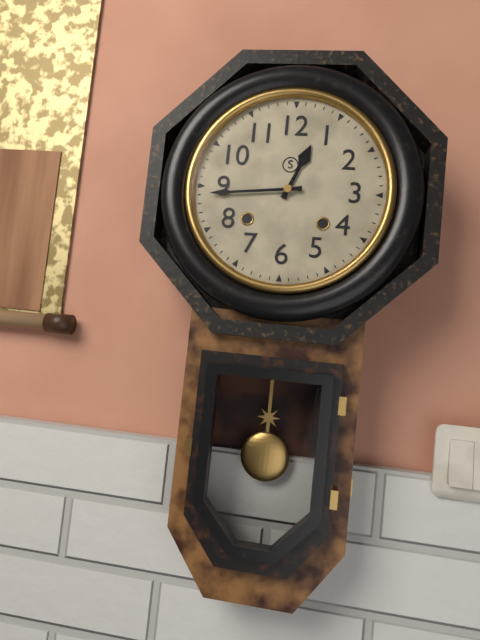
12,44
